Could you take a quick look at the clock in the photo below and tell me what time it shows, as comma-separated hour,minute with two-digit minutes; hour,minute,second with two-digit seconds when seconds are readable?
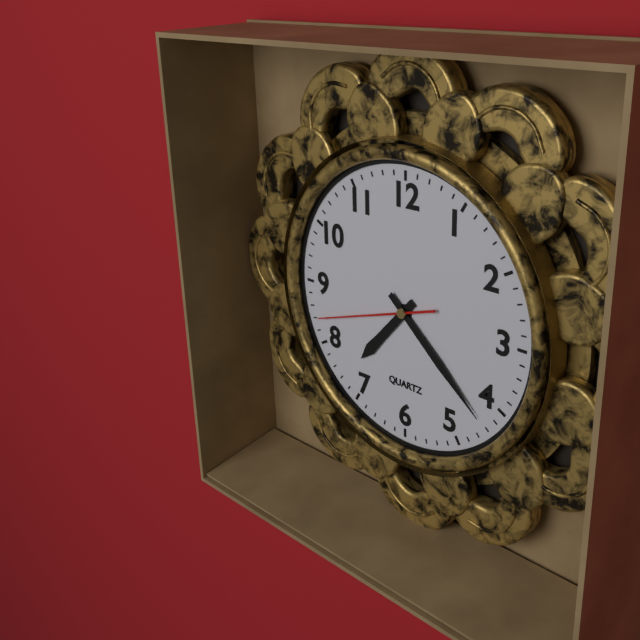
7,22,42
